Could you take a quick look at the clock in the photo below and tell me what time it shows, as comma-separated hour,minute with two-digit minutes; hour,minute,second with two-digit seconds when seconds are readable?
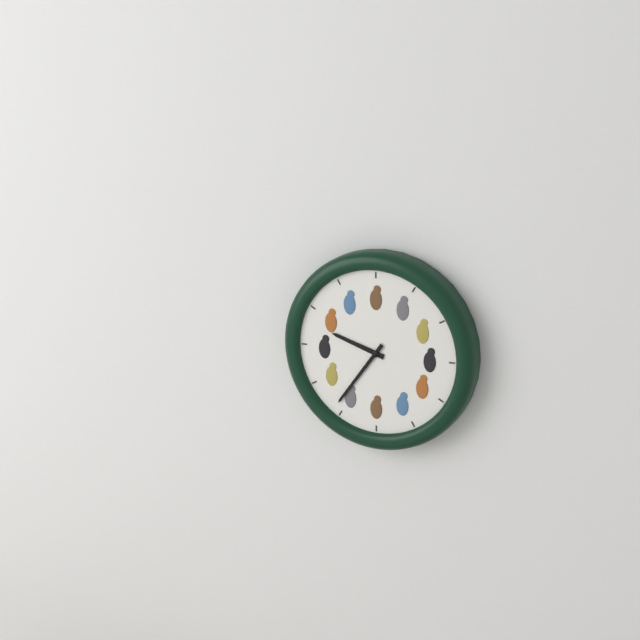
9,36
